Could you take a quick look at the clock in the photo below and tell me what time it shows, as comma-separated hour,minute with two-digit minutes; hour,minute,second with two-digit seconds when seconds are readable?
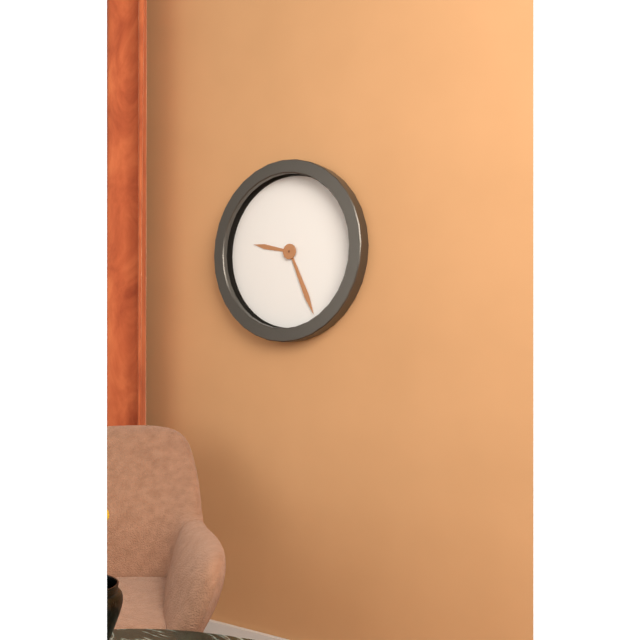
9,26
